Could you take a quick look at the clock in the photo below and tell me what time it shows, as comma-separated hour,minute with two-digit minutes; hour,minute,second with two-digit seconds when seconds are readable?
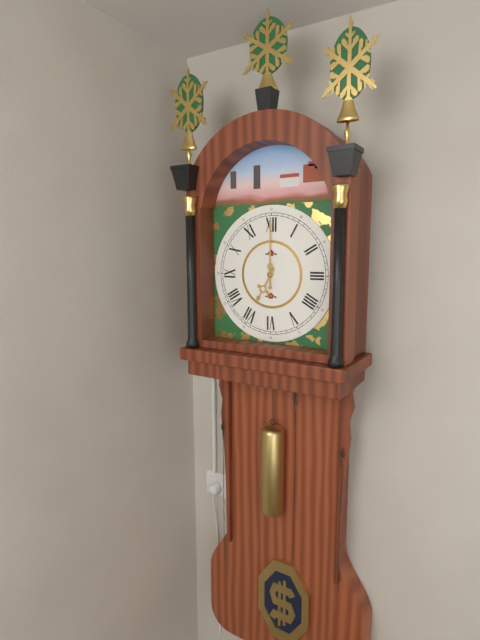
7,00
